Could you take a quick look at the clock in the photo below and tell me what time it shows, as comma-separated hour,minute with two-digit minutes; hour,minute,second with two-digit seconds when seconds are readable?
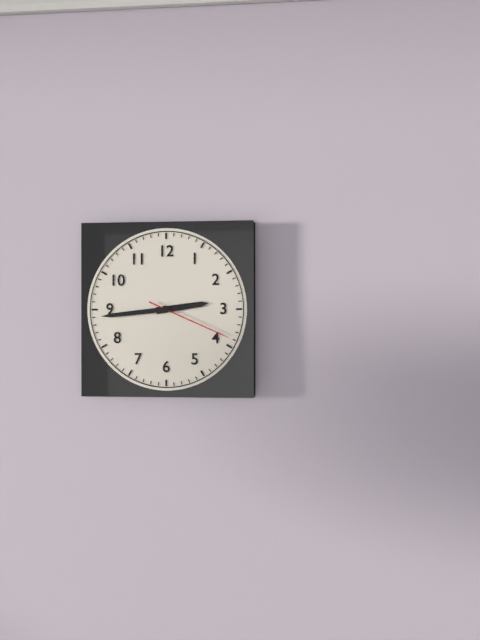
2,44,19
